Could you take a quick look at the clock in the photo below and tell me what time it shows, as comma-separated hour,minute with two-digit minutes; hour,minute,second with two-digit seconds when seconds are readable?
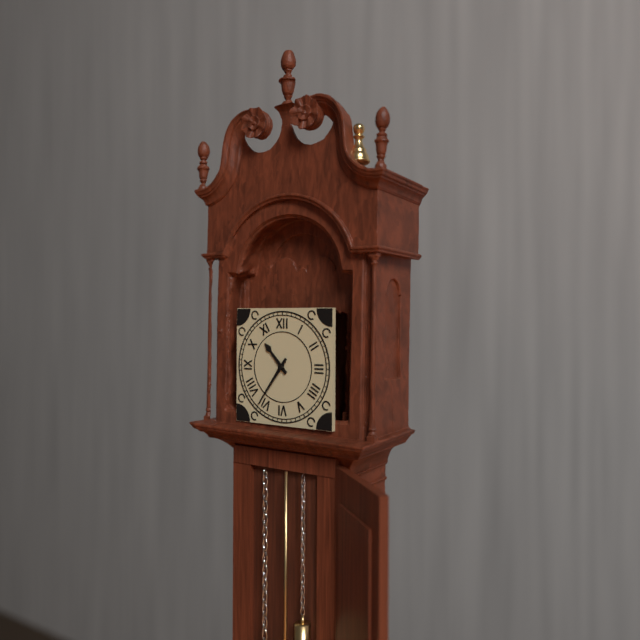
10,36
